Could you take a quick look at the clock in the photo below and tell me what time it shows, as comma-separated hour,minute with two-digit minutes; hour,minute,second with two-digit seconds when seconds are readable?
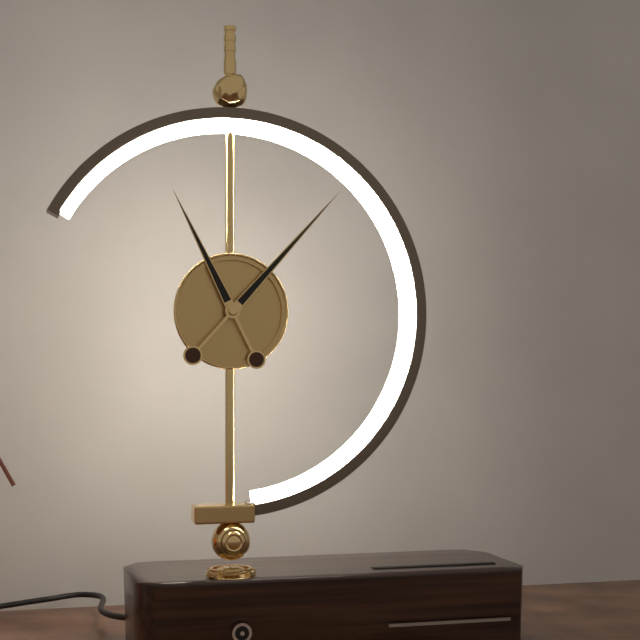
11,07
